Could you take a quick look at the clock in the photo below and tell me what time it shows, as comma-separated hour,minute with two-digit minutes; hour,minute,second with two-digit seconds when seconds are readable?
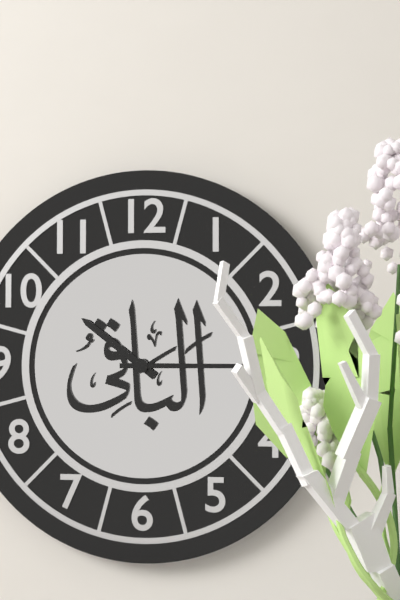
10,15
